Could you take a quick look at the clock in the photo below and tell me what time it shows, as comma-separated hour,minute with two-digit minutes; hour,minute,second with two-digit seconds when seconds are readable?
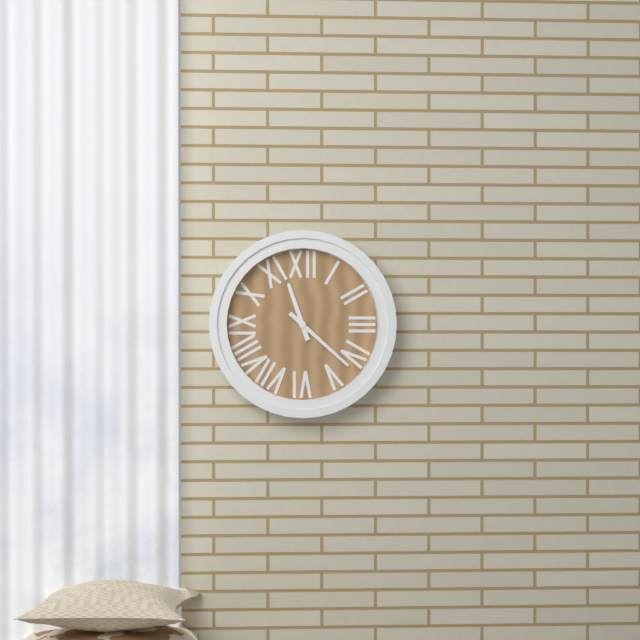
11,22
